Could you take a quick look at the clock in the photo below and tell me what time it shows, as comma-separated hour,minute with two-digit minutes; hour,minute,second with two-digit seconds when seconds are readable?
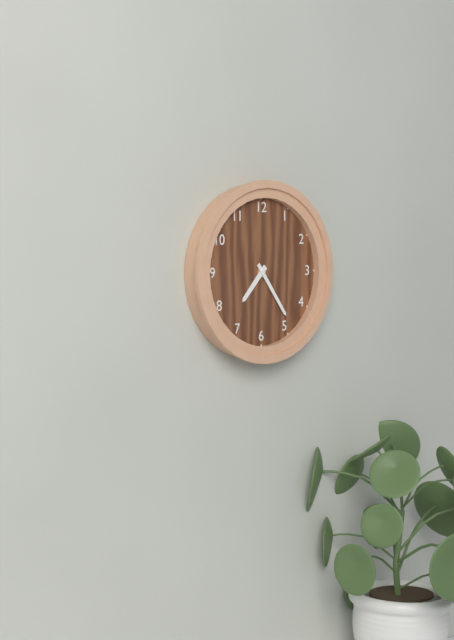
7,24
